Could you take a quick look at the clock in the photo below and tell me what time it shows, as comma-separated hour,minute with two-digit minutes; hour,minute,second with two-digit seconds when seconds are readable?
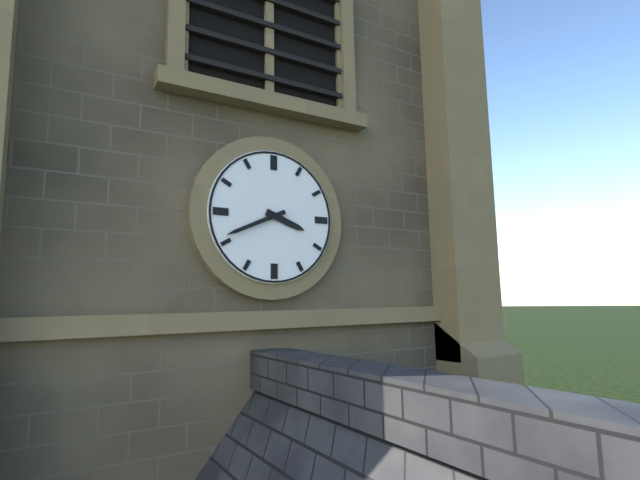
3,41
